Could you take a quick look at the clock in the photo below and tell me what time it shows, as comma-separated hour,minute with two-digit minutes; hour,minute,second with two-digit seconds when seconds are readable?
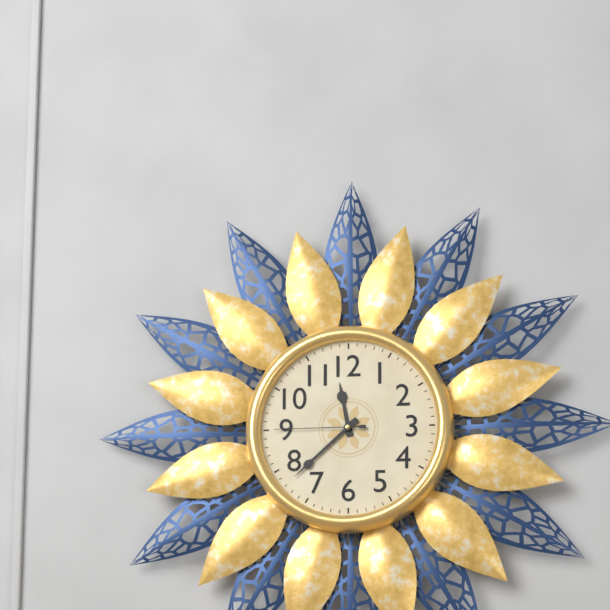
11,38,45
